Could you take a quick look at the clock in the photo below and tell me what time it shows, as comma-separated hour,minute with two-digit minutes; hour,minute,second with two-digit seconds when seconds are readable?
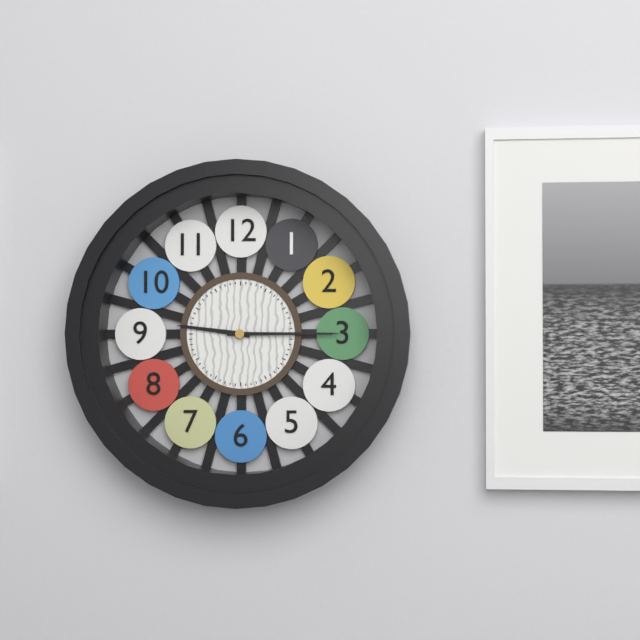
9,15
